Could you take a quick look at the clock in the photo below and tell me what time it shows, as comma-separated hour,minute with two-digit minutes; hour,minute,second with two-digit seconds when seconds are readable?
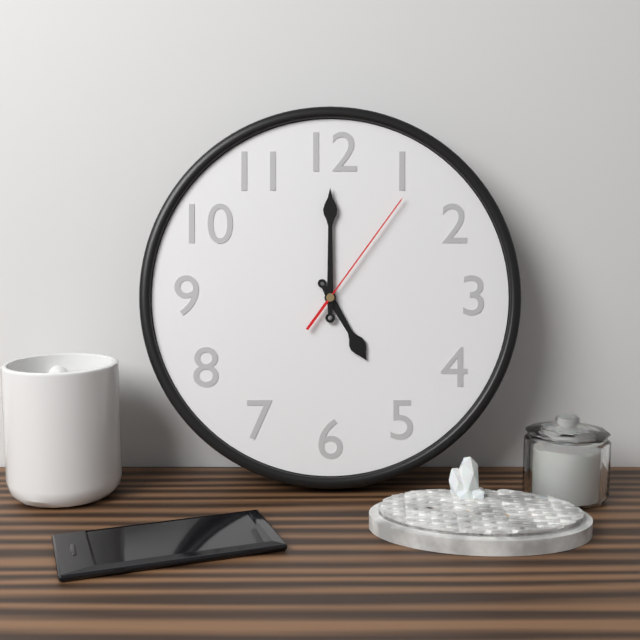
5,00,06
